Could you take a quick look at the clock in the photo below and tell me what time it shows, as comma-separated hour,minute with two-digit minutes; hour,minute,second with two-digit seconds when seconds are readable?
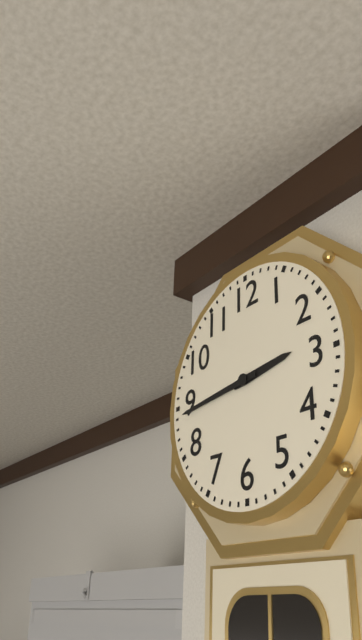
2,44
